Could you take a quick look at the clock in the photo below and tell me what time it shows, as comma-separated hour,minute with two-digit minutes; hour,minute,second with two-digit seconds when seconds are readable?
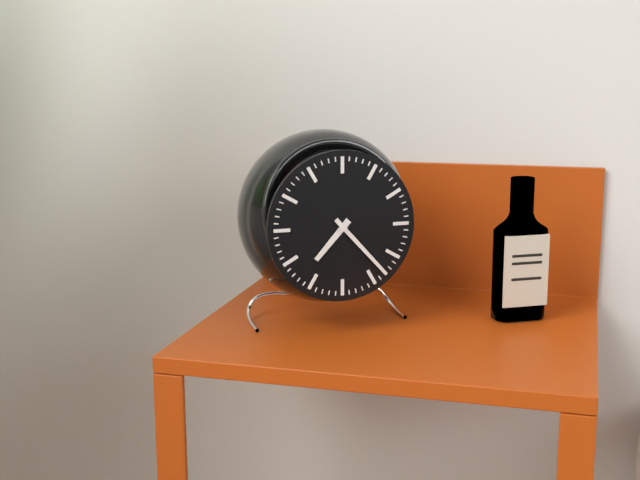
7,23
